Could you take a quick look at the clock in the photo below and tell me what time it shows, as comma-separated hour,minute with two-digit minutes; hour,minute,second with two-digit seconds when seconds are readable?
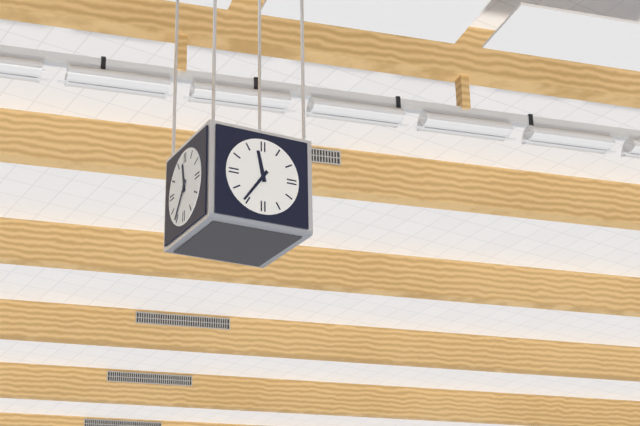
11,36
